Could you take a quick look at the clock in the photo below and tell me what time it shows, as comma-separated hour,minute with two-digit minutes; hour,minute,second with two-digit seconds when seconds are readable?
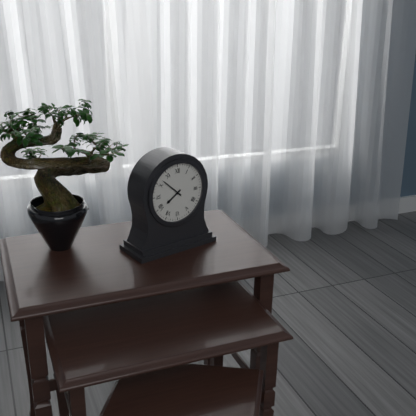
7,52
